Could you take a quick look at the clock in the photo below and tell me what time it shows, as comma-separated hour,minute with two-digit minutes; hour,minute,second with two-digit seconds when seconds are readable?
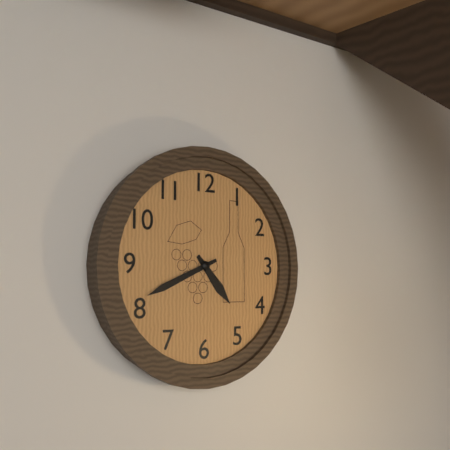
4,41
